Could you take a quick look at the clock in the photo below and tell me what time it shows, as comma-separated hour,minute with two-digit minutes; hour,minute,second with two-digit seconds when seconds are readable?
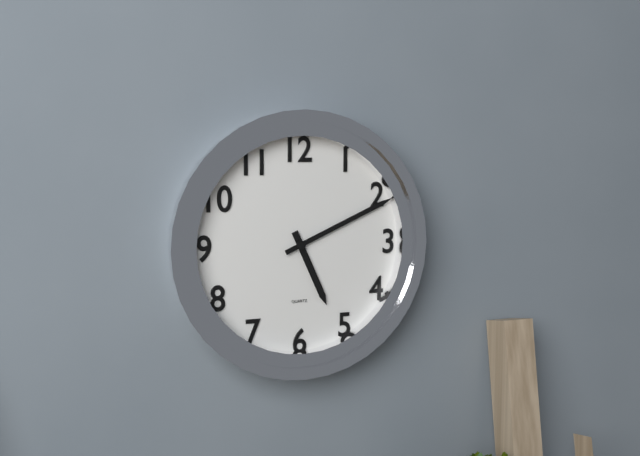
5,11
